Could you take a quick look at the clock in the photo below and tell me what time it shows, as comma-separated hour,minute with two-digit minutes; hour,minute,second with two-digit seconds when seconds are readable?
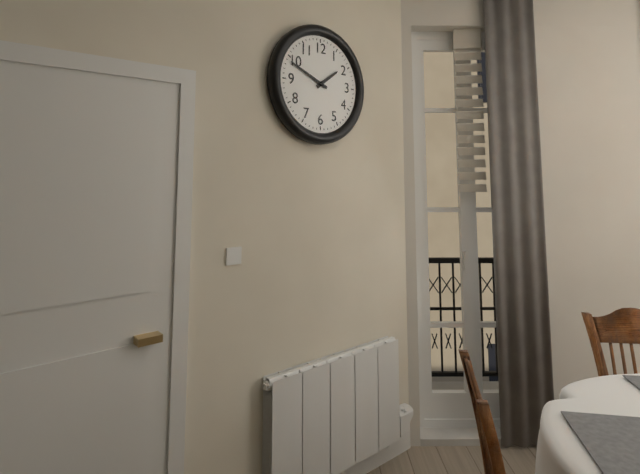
1,49
